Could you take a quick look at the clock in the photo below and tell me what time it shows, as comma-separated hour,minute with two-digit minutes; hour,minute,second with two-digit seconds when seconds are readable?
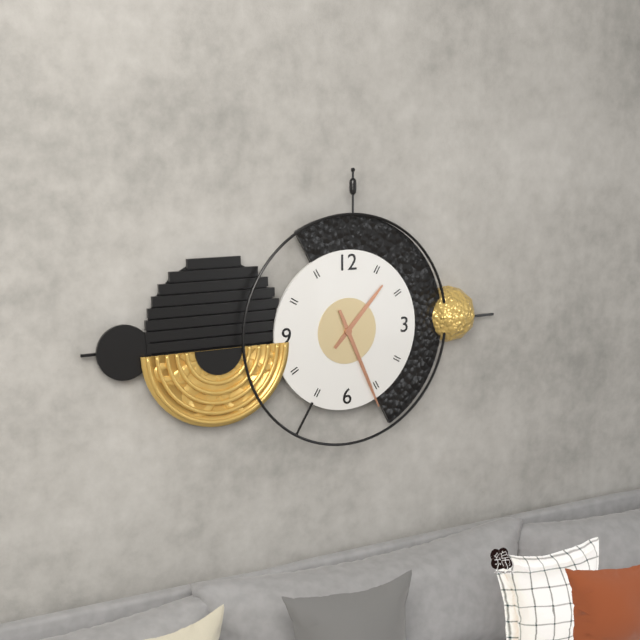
1,26
